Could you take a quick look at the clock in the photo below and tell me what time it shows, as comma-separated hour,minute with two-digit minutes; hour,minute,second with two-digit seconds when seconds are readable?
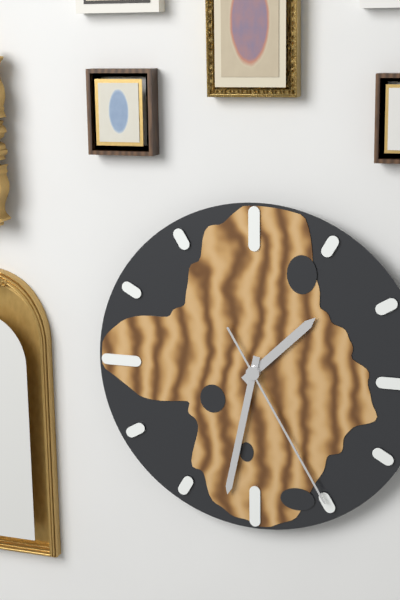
1,32,25
